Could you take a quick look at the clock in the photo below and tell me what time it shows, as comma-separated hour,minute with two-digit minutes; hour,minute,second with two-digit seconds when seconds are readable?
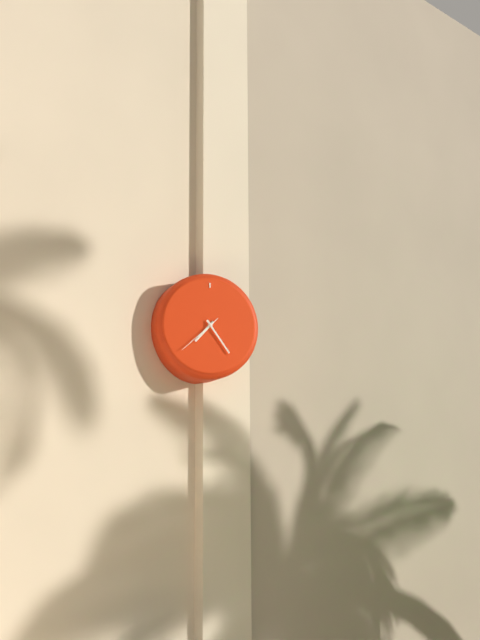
7,24
